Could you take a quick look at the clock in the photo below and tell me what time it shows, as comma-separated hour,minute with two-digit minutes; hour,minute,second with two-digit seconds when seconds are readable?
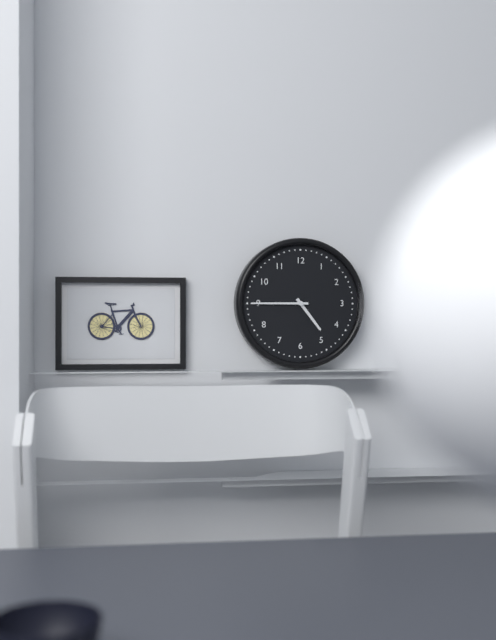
4,45
